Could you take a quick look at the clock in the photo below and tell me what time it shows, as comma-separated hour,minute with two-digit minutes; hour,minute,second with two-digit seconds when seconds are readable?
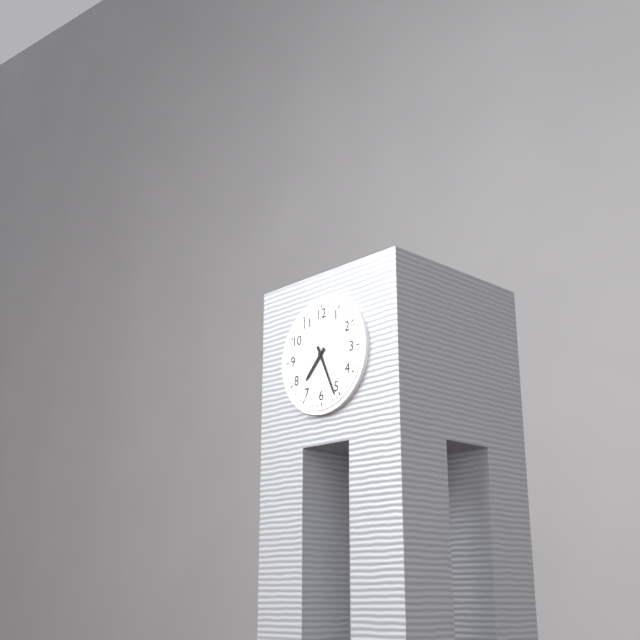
7,26
